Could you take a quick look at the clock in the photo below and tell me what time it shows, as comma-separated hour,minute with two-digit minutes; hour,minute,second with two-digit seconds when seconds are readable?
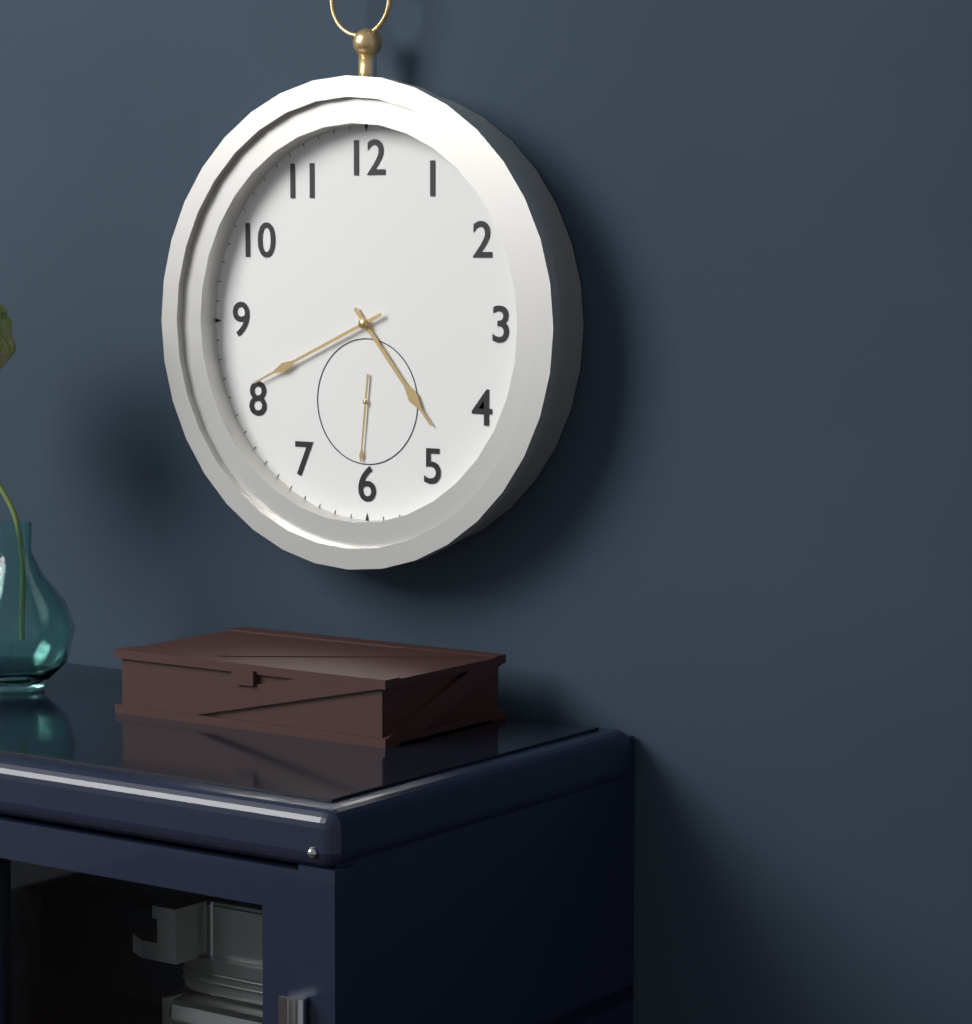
4,41,31
